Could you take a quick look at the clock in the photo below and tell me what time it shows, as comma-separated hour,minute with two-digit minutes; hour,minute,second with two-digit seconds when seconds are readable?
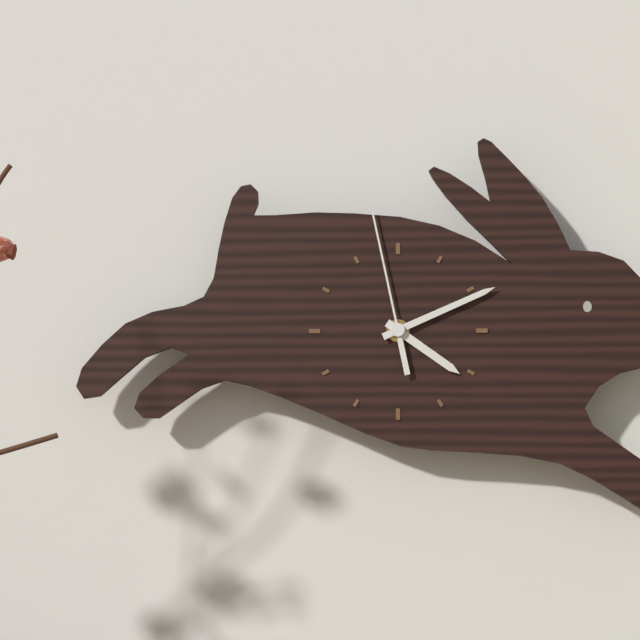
4,11,58
